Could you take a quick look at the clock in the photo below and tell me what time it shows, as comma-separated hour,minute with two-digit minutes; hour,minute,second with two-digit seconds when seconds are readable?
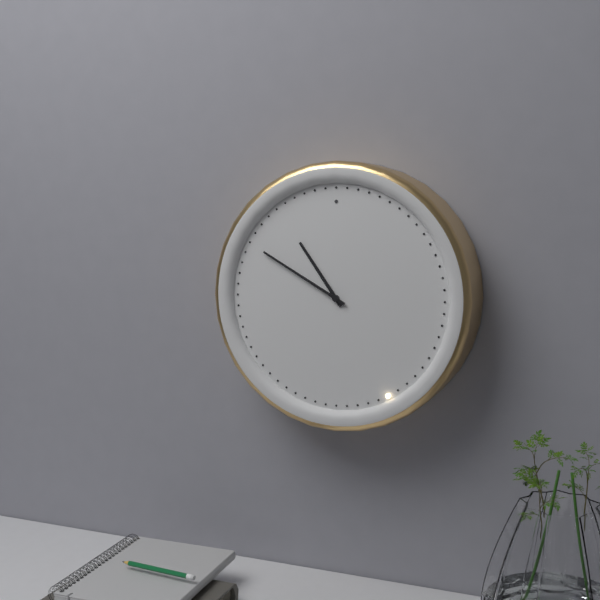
10,50
